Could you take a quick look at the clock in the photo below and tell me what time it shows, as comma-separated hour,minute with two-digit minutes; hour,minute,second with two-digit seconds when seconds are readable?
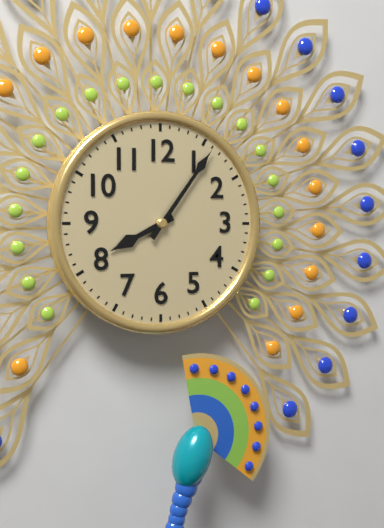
8,06
